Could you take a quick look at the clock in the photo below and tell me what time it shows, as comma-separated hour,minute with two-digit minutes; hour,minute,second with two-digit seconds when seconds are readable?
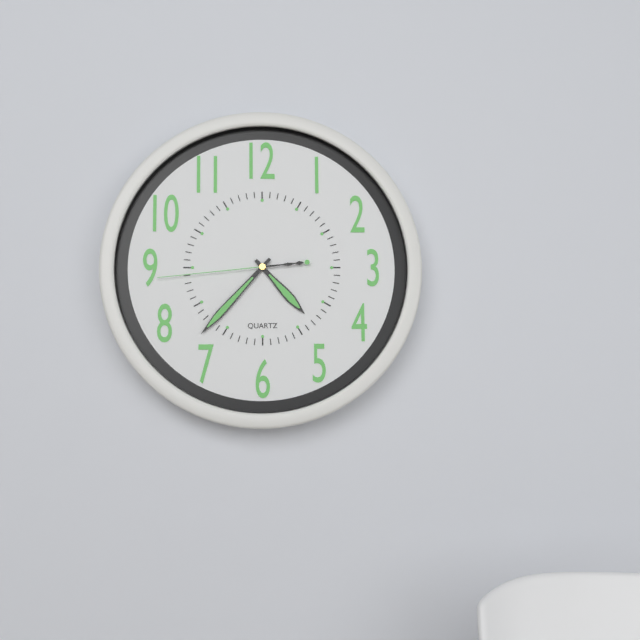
4,37,44
